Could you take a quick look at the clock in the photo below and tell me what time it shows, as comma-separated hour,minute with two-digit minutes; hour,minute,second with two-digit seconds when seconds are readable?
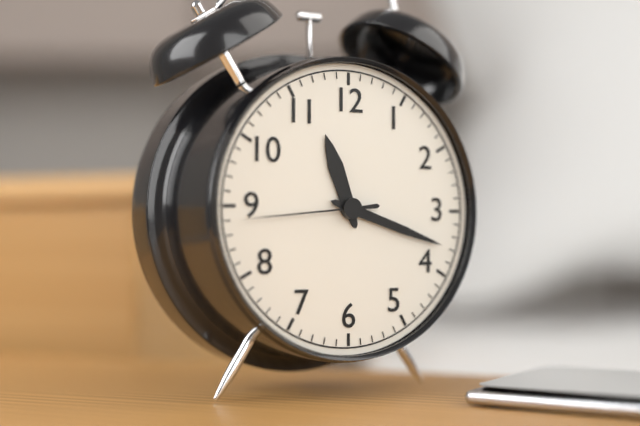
11,18,44
